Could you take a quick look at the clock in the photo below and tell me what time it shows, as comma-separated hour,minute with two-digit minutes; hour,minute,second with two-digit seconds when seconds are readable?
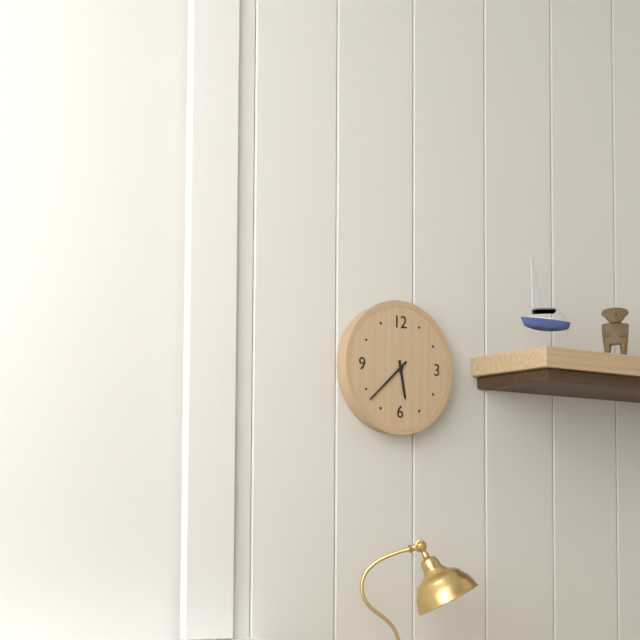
5,38
